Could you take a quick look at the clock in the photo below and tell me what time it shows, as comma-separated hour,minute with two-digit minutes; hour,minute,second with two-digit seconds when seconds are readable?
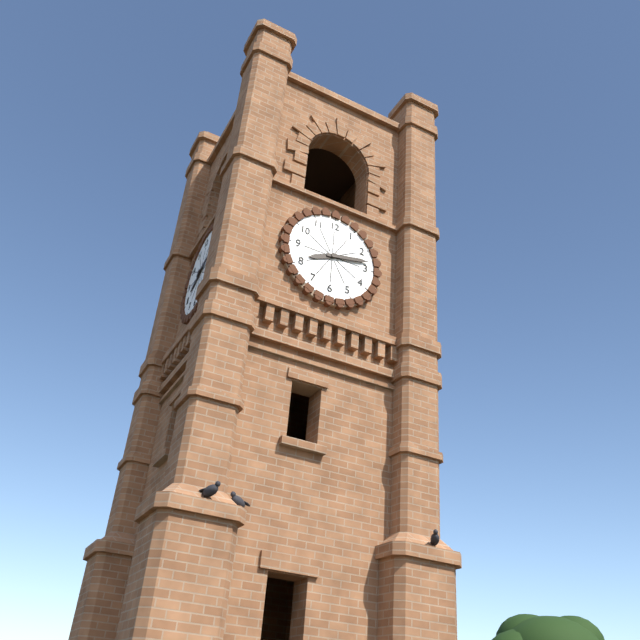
8,13
